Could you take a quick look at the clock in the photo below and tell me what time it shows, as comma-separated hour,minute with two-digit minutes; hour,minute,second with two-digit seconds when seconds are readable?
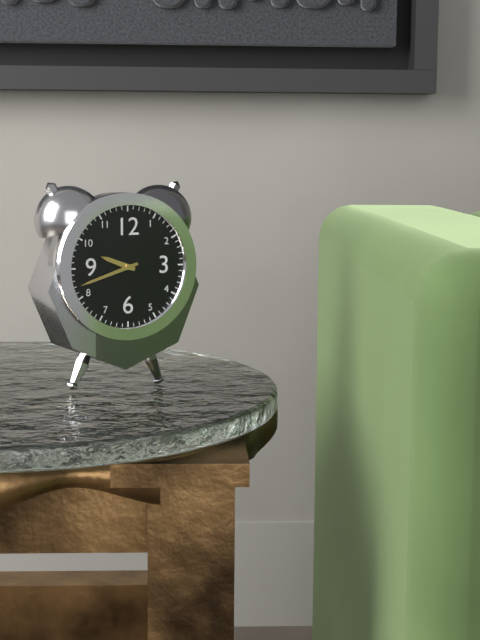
9,42
